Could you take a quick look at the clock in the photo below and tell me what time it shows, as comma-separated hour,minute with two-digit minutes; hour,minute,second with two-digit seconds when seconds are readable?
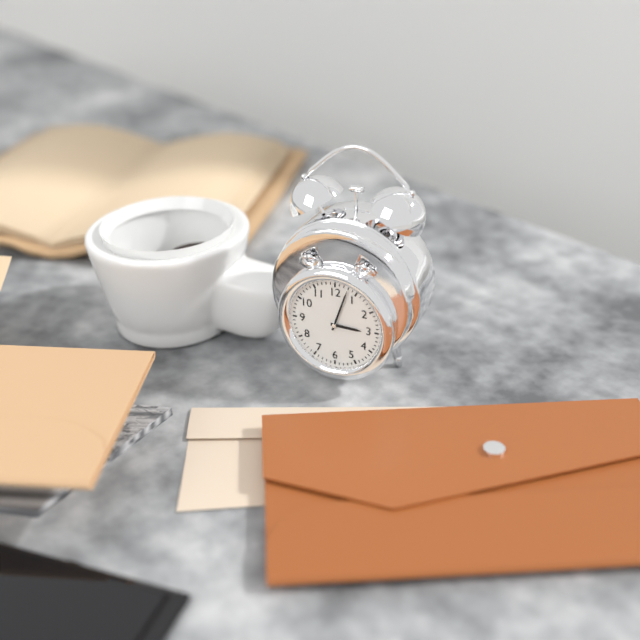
3,03
